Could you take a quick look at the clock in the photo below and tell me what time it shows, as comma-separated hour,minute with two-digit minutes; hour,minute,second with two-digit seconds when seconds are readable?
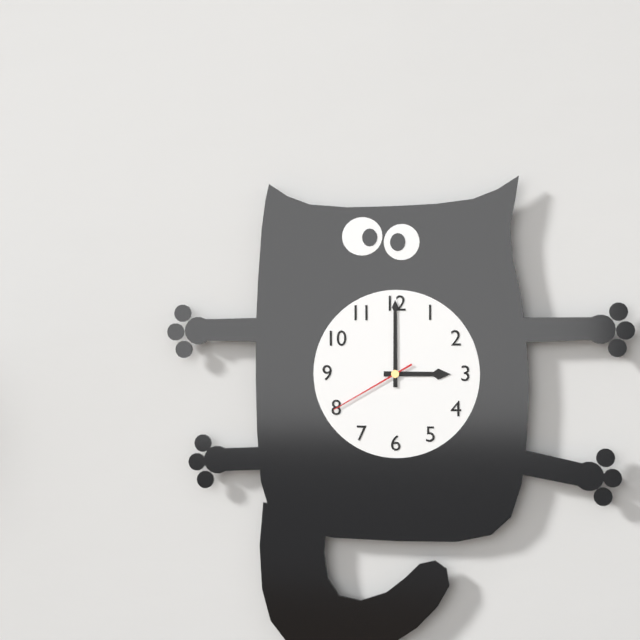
3,00,40
